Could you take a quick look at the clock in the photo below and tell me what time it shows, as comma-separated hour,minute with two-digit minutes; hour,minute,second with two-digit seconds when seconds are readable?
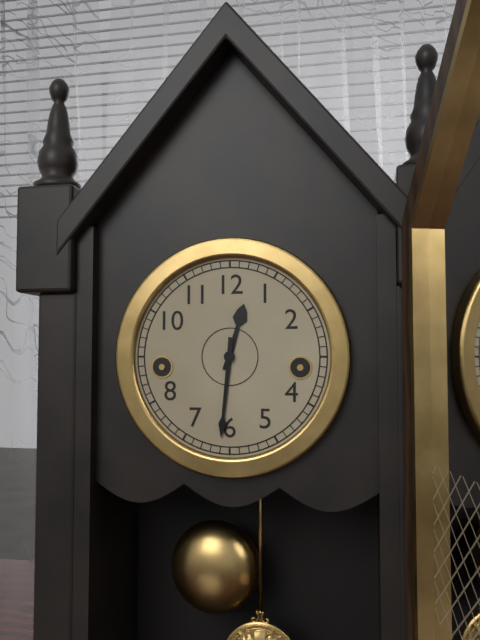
12,31
